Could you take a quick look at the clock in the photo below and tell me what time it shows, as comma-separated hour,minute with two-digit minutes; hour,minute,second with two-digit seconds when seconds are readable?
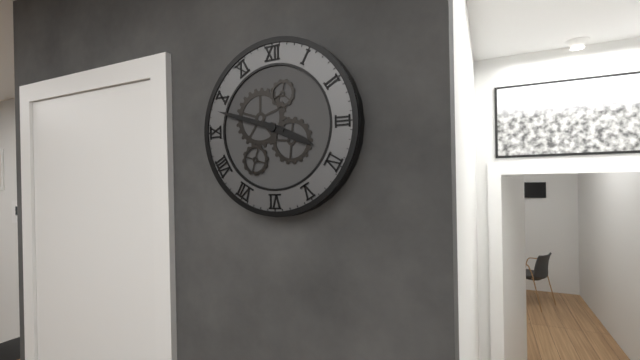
3,48
